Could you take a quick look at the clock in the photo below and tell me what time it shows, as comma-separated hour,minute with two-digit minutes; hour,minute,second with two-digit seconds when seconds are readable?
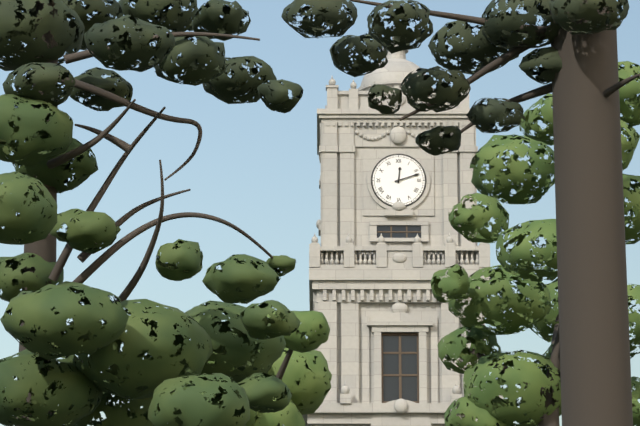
12,12
